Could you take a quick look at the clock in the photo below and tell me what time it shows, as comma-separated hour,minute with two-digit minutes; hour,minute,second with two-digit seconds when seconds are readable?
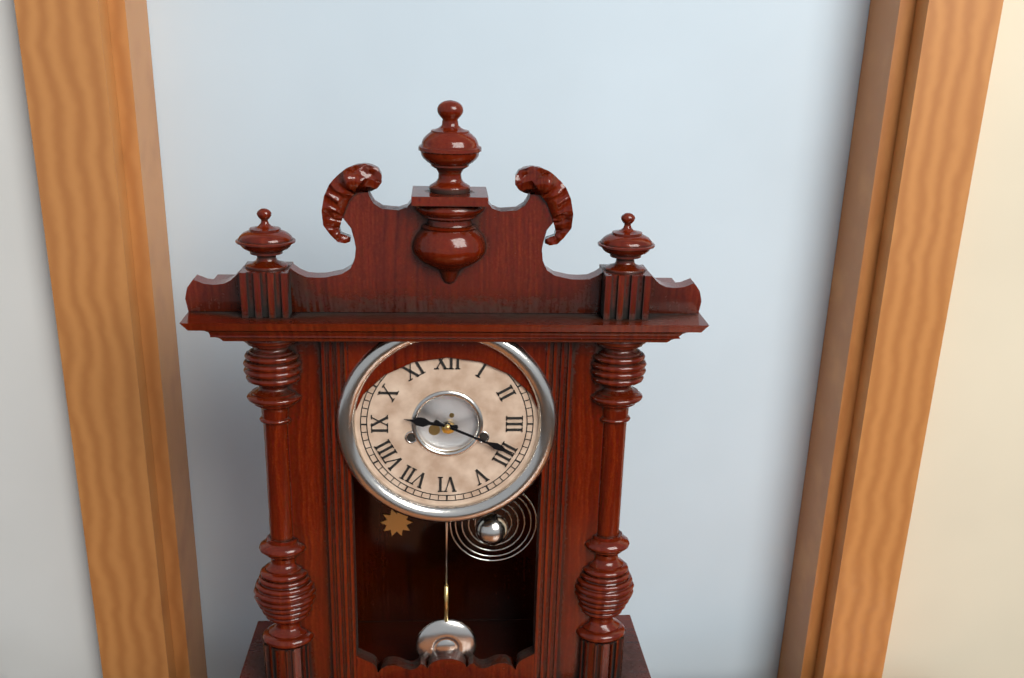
9,19
